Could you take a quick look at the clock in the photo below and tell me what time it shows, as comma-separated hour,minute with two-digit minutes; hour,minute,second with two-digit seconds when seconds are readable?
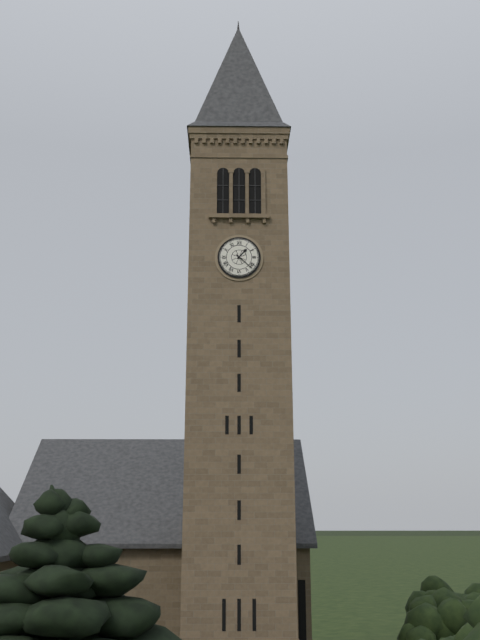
1,22
